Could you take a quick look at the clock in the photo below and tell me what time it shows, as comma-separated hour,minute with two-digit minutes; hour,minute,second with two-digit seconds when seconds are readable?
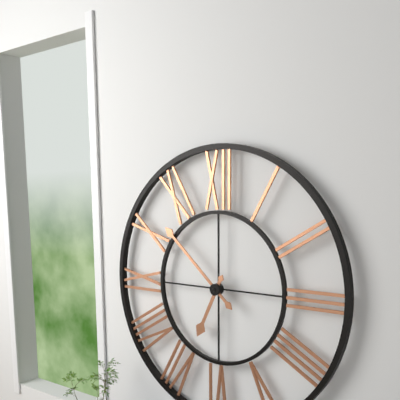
6,52
